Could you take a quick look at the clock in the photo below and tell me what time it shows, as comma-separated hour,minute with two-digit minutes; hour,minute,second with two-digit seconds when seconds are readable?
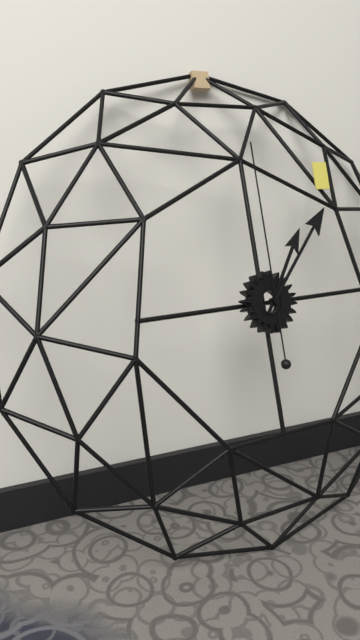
1,07,00
